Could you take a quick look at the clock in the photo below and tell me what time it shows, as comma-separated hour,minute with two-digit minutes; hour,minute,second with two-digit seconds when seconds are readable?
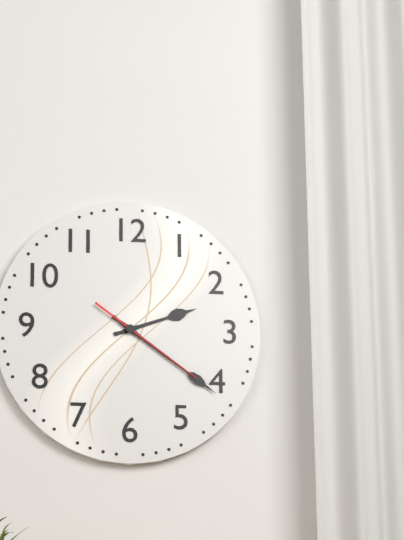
2,21,21
